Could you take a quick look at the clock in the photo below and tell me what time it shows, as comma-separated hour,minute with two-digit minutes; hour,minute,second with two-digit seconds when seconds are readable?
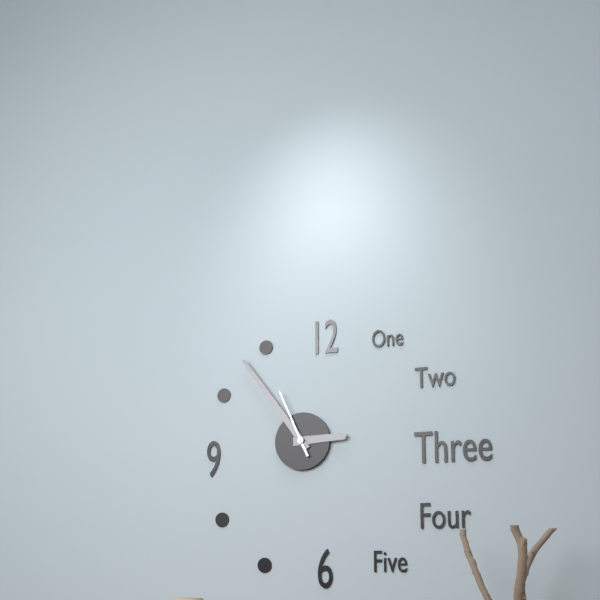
2,54,56
